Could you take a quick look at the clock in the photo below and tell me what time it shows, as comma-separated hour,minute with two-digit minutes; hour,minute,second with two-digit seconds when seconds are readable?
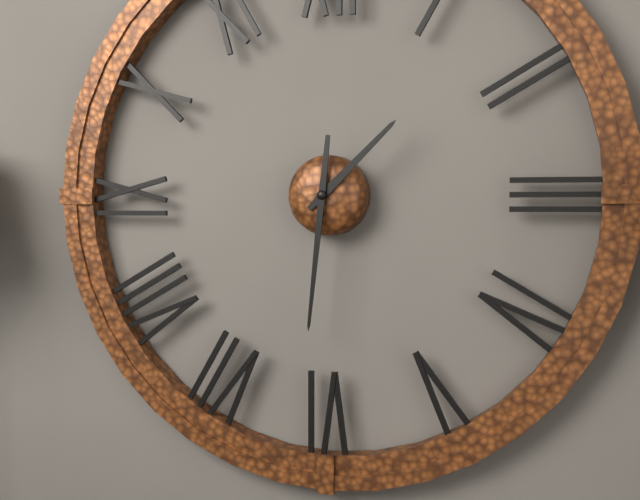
1,31
